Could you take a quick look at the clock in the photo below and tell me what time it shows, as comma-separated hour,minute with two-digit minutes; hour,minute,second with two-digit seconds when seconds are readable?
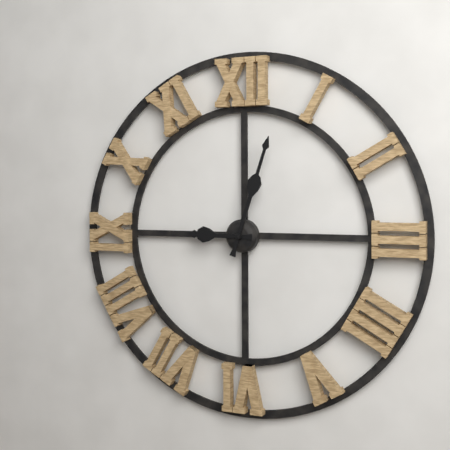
9,03
